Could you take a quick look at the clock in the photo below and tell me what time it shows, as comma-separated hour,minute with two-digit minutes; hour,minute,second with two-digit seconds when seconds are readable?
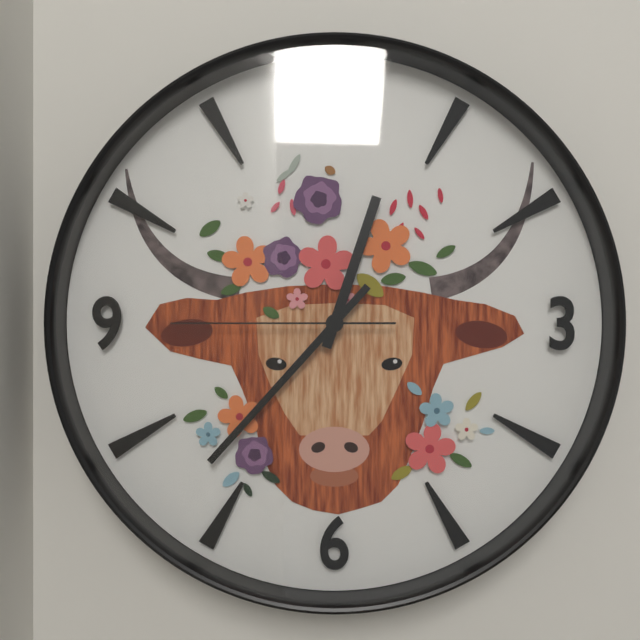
12,37,45
